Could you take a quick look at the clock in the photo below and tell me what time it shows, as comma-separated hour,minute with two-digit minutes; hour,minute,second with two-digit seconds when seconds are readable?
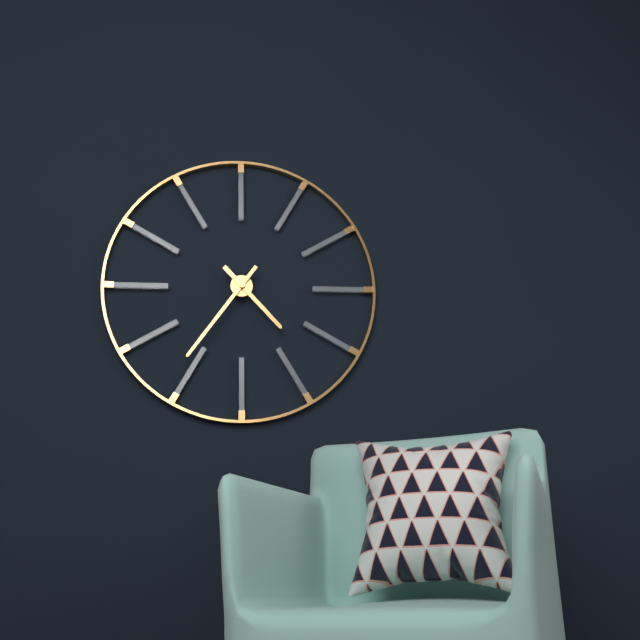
4,36
